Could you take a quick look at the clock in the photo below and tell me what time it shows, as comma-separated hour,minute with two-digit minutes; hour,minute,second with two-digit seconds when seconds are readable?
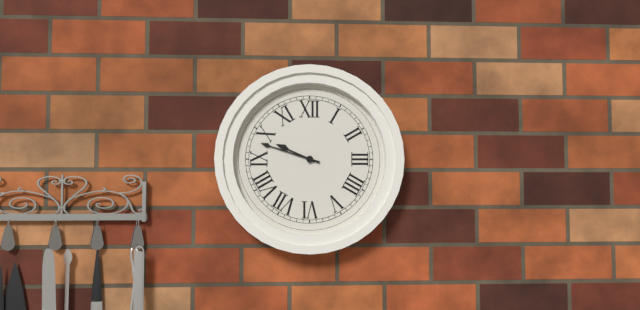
9,48
